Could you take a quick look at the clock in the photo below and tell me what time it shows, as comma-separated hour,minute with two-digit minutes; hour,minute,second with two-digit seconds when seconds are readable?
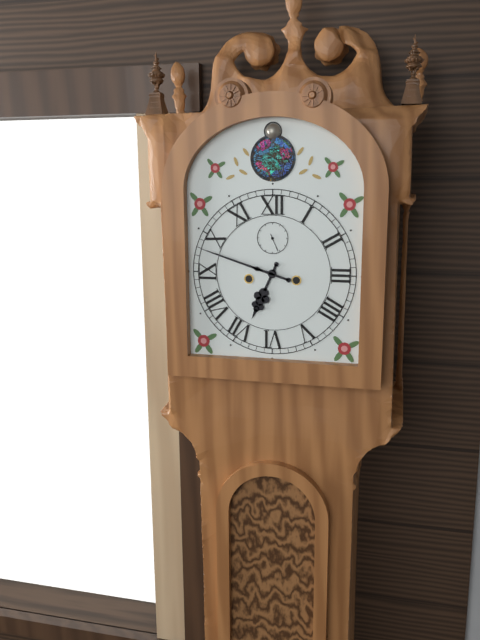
6,48
